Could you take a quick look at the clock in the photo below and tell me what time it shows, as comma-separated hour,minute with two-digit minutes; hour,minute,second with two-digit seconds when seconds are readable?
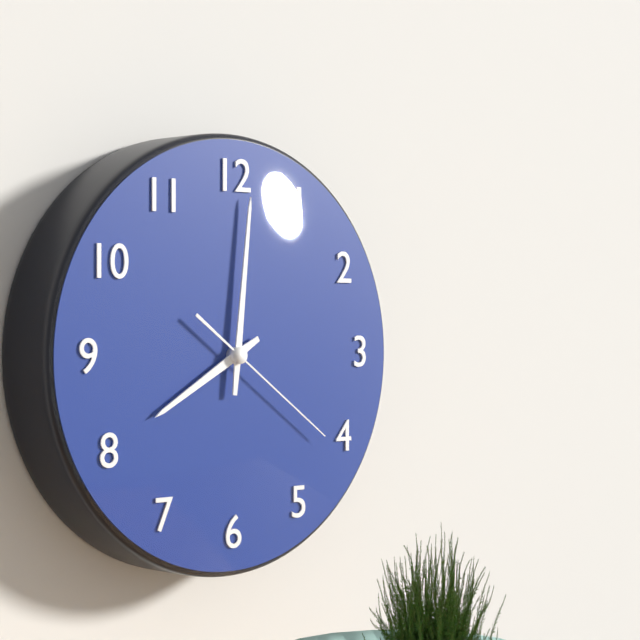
8,01,21
